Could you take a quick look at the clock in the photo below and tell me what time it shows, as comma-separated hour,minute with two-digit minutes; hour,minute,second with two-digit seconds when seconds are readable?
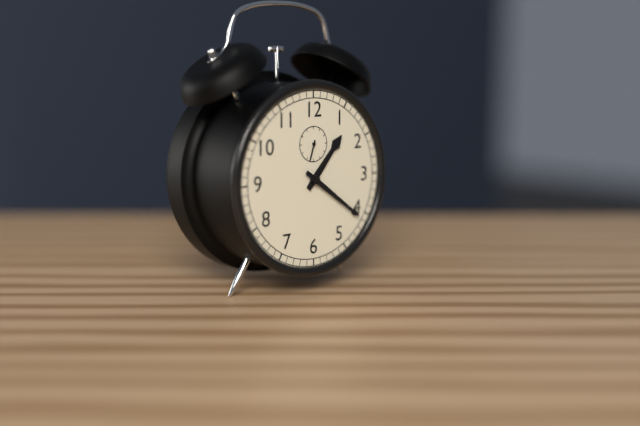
1,21
